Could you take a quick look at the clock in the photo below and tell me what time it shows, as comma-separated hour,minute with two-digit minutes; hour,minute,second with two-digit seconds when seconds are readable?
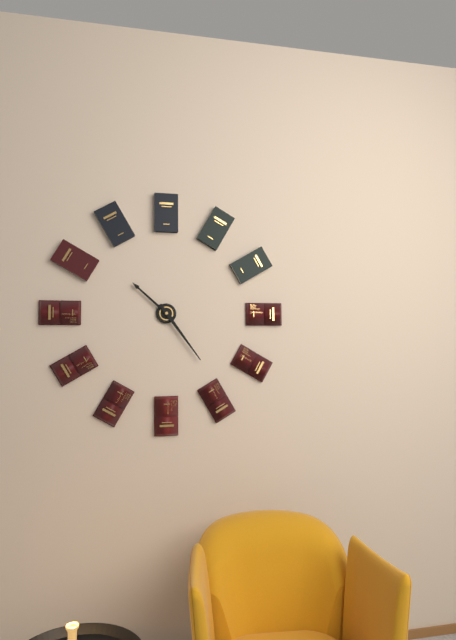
10,24
